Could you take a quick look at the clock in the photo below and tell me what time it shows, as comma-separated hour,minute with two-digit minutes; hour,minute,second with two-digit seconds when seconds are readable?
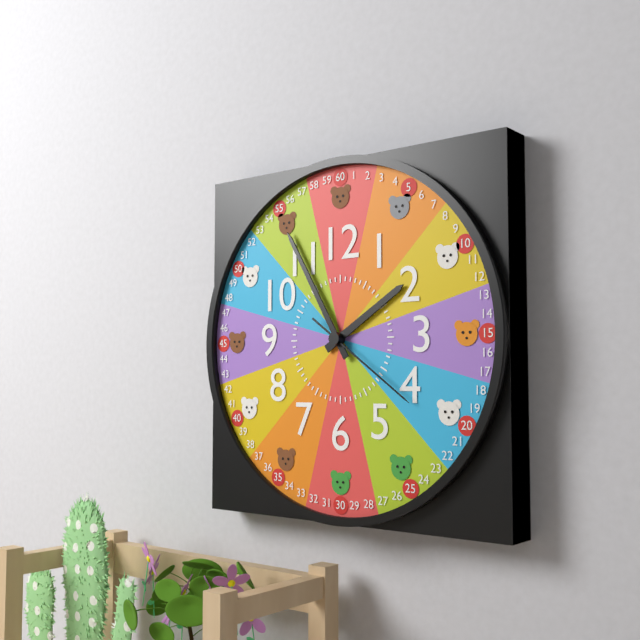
1,55,21
